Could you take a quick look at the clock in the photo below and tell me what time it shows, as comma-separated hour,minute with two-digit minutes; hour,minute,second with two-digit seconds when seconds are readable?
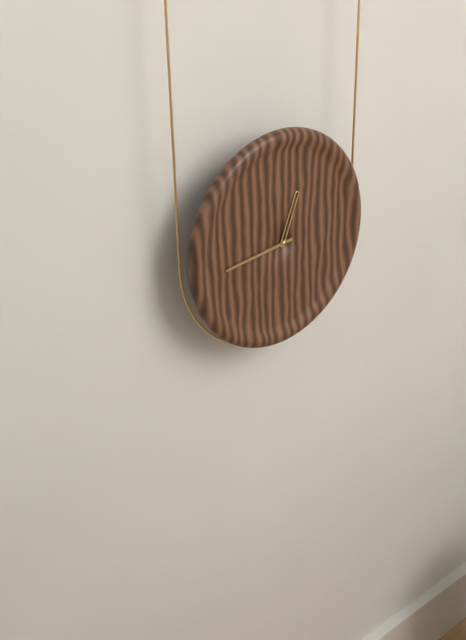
12,44
